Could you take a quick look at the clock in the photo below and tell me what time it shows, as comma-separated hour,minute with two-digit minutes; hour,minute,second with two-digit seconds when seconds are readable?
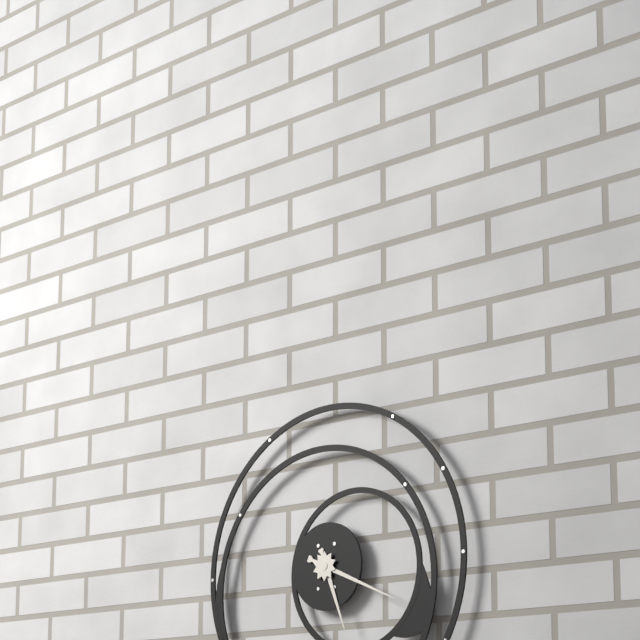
5,19
